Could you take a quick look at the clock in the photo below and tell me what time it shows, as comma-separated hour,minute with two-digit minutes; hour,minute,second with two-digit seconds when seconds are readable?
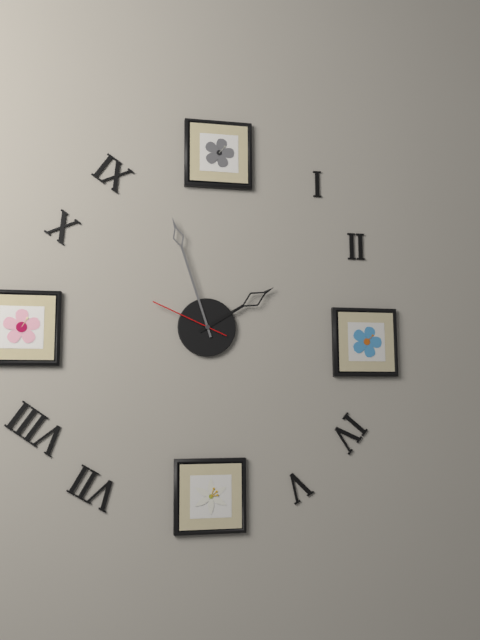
1,57,49
